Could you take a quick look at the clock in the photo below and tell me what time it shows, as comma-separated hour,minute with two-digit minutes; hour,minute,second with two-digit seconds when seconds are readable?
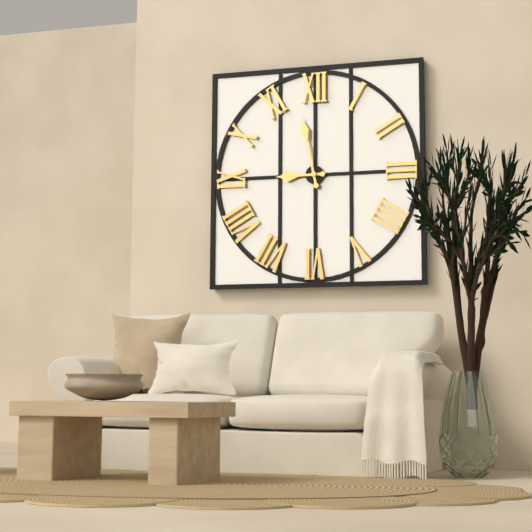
8,58
